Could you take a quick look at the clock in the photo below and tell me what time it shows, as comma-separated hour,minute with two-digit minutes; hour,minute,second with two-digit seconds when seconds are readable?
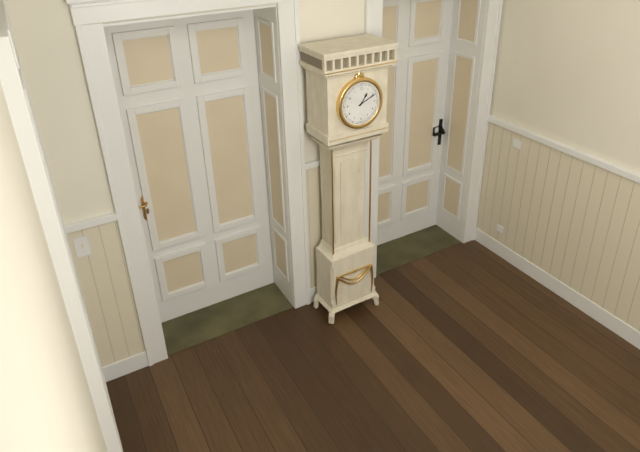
1,11
